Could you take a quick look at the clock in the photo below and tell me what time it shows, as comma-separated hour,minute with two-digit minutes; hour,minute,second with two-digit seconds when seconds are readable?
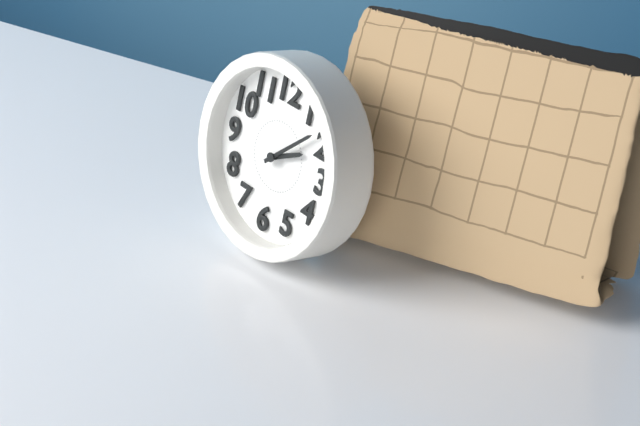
2,08
